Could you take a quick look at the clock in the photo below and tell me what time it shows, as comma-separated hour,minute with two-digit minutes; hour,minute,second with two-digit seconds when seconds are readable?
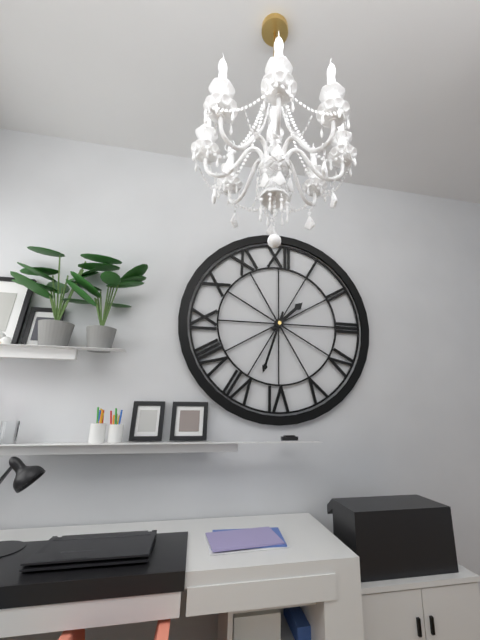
1,33
